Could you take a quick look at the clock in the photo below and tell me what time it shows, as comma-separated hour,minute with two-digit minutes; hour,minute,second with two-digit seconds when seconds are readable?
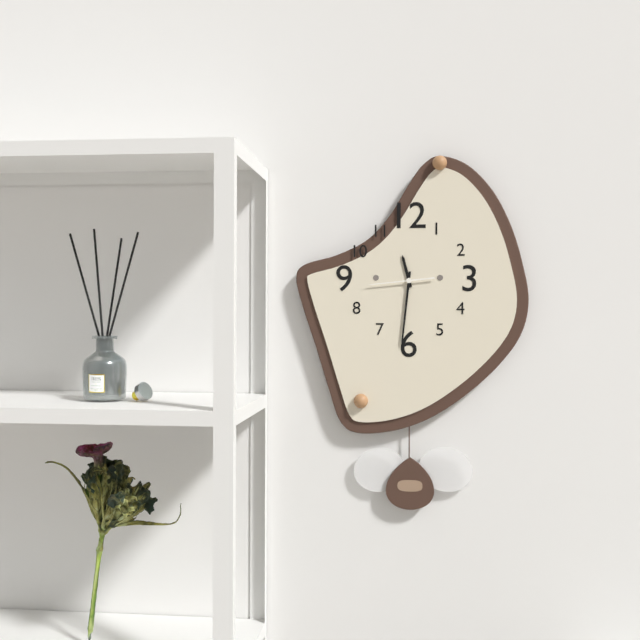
11,31,44
